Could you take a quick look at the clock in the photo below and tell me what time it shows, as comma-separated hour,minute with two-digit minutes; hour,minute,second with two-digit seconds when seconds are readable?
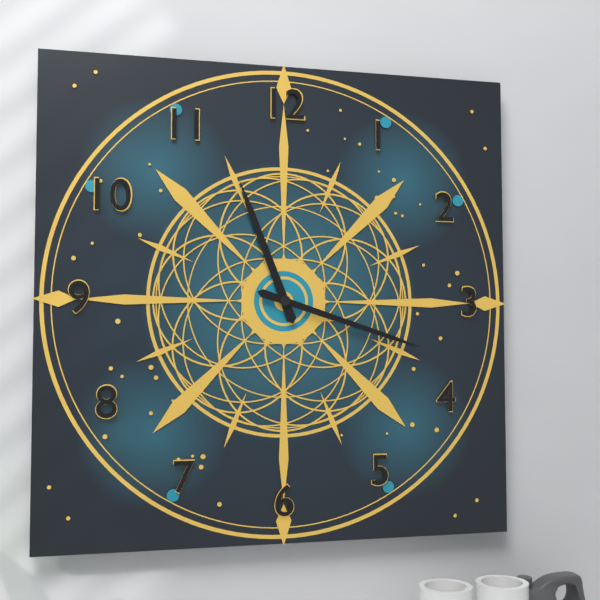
11,18
